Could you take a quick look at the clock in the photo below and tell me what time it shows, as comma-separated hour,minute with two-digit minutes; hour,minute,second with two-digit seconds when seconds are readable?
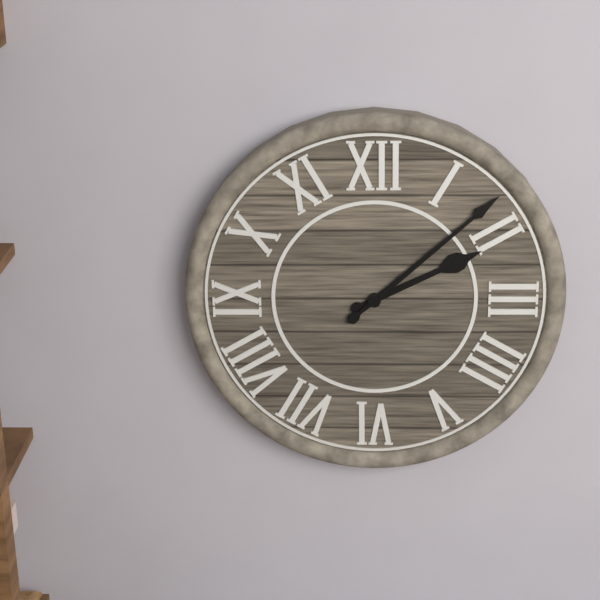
2,08
